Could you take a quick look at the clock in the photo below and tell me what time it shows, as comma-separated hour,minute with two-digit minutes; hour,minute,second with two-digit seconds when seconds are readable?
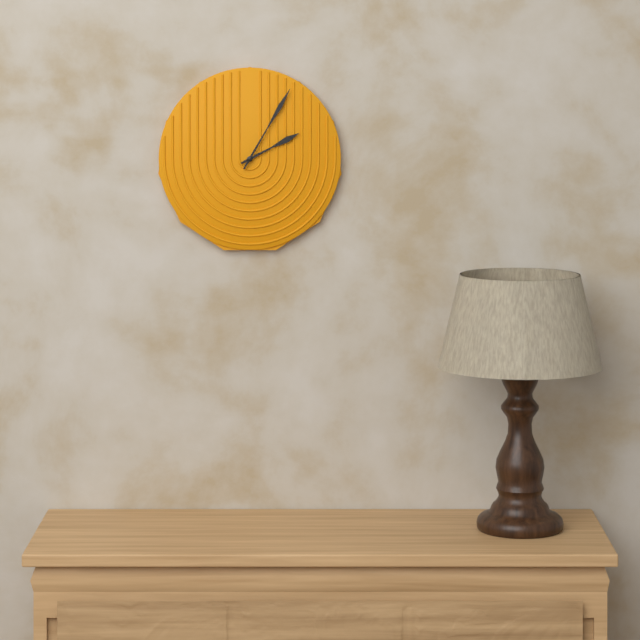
2,05
